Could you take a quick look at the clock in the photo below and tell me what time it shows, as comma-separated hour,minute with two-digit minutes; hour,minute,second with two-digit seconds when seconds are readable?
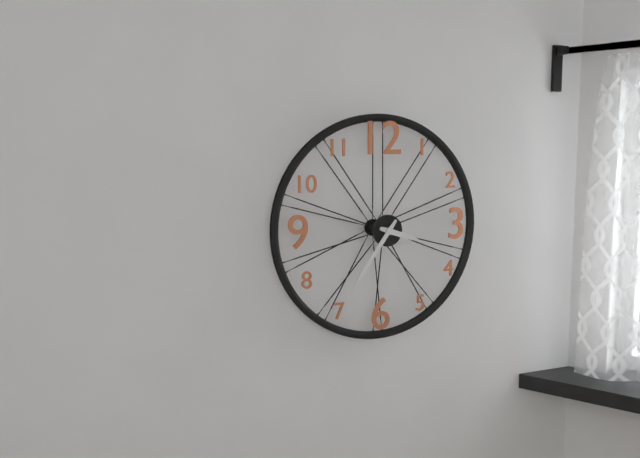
3,36
